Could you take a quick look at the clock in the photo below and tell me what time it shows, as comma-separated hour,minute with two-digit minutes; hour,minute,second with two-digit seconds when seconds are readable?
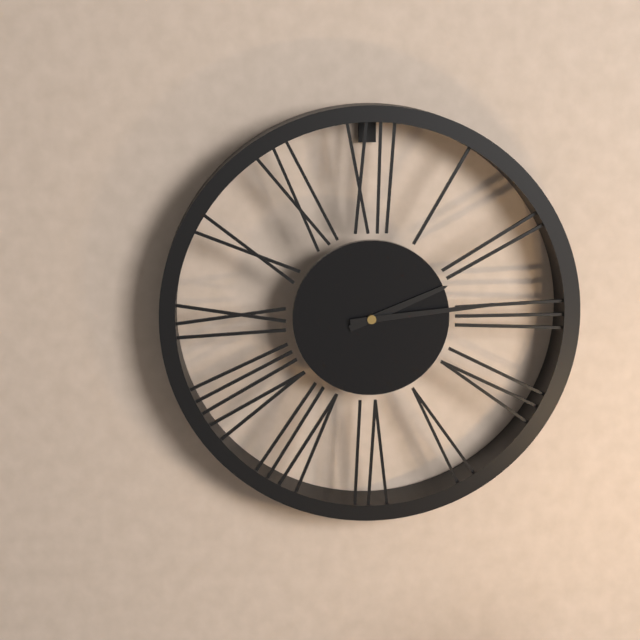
2,14
